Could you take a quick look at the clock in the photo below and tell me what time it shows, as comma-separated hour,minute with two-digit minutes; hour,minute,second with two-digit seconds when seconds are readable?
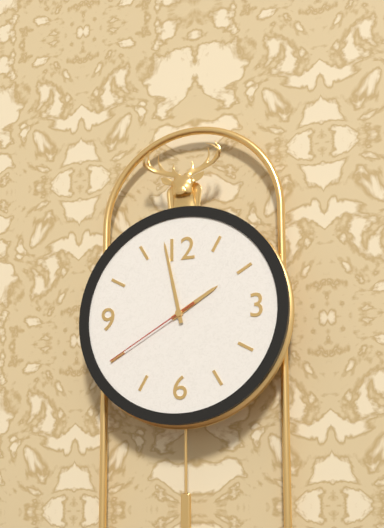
1,58,40
